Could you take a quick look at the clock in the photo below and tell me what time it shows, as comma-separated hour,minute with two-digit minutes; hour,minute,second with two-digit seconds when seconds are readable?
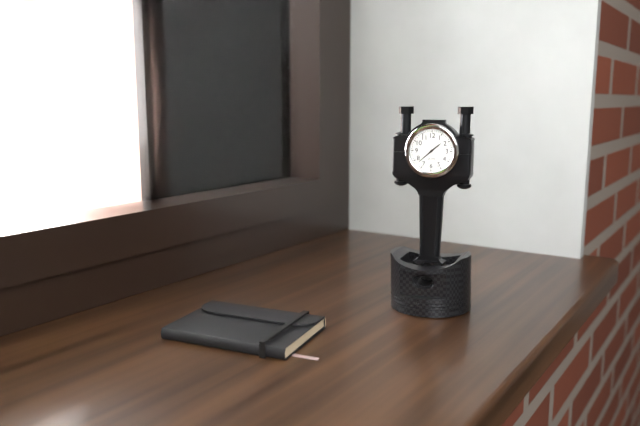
1,38
